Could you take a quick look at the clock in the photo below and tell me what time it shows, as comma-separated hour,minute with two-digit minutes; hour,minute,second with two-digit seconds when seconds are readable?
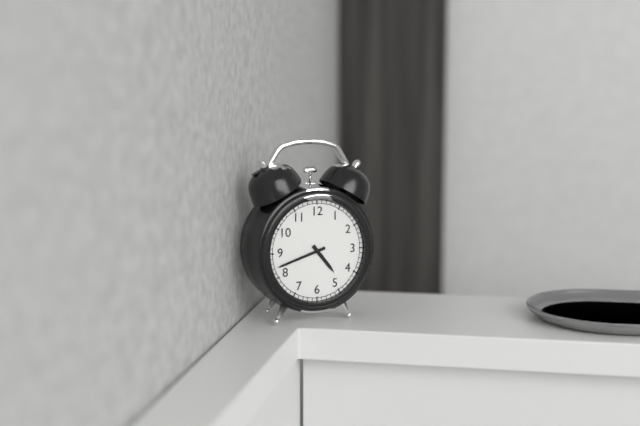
4,42
